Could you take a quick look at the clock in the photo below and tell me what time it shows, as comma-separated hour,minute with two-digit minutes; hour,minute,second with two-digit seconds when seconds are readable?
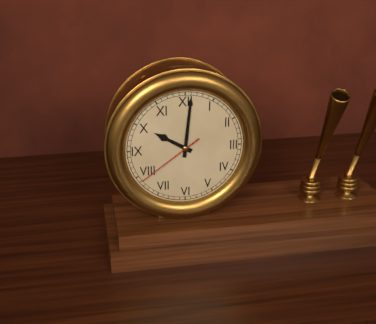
10,01,39
